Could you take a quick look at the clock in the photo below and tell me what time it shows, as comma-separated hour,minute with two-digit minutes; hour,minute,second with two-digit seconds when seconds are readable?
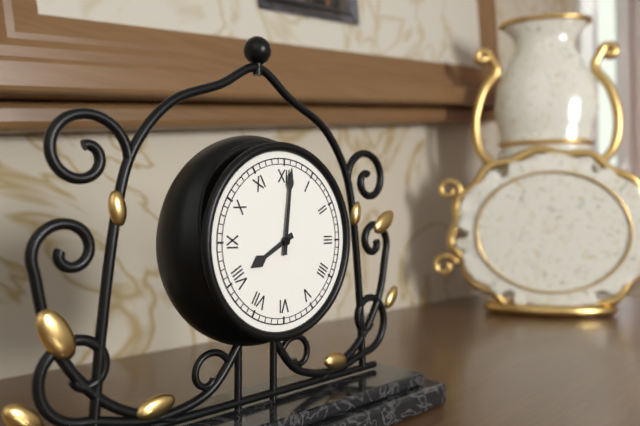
8,01
